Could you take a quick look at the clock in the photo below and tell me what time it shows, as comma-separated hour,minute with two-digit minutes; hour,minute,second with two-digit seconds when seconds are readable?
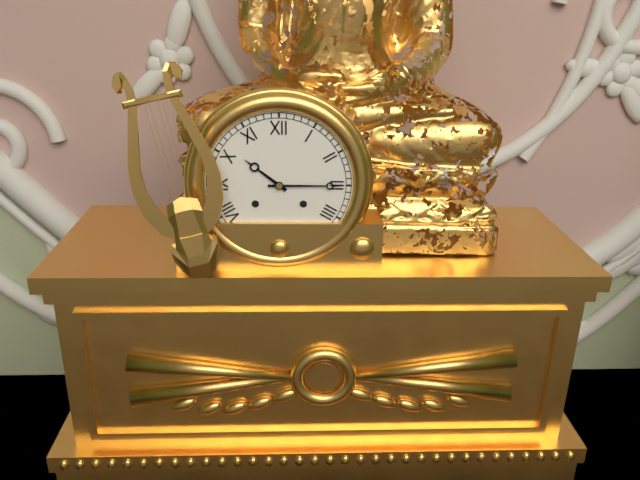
10,15
